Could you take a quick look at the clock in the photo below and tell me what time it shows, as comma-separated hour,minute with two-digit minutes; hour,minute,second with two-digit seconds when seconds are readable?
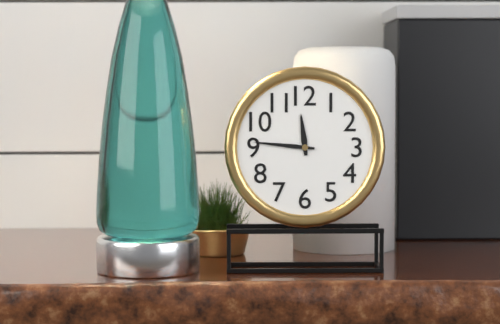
11,46
